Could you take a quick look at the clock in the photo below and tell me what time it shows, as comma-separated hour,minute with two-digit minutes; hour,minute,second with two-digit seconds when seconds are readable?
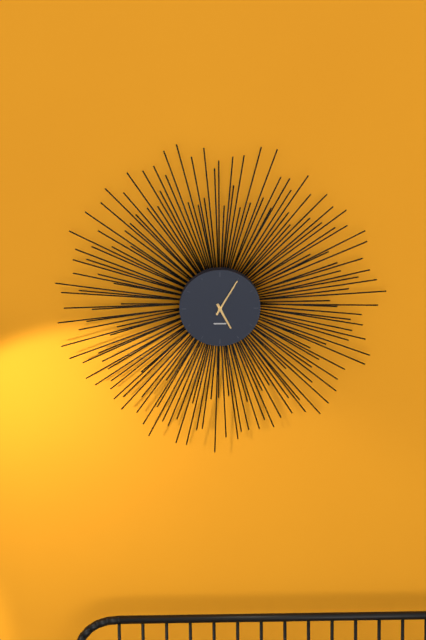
5,05
